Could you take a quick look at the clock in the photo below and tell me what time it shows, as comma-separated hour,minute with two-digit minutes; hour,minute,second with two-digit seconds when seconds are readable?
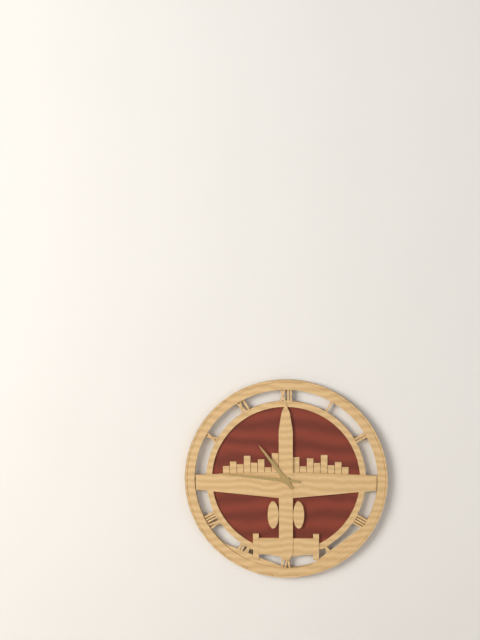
10,46
